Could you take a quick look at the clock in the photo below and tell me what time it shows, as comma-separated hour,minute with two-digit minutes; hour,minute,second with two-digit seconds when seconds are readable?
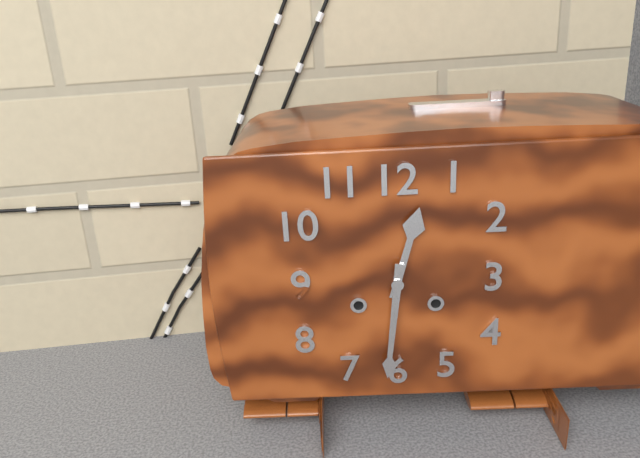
12,31
